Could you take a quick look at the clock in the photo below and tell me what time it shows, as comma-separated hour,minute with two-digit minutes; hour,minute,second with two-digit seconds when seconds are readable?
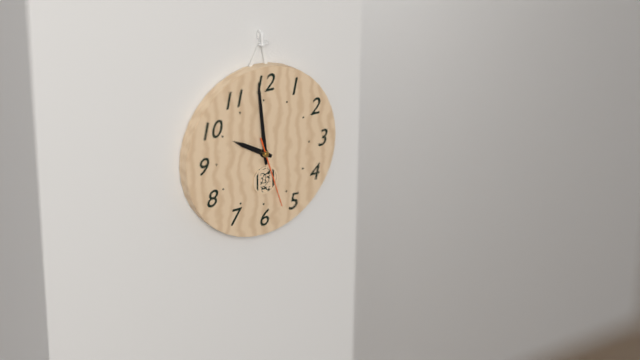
9,59,27
